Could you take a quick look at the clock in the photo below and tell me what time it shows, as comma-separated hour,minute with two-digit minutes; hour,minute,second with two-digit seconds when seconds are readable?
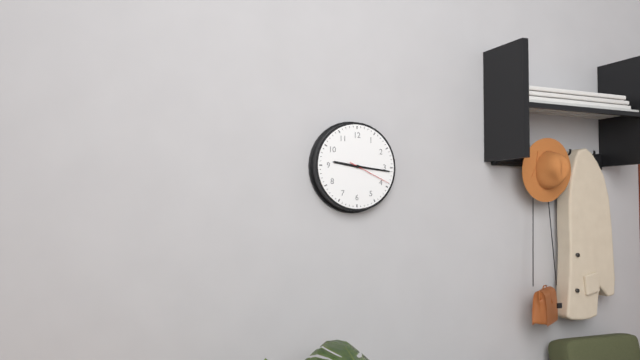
9,16
